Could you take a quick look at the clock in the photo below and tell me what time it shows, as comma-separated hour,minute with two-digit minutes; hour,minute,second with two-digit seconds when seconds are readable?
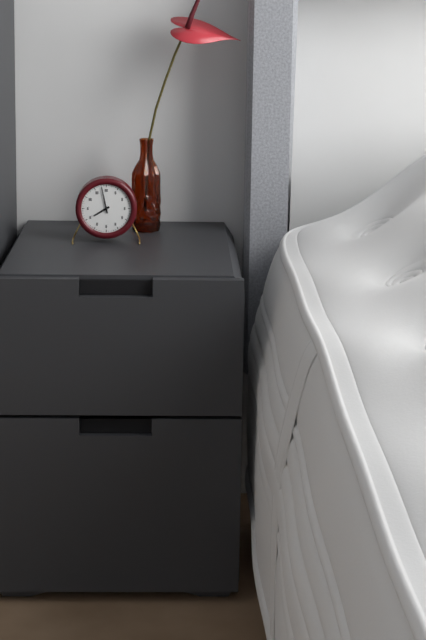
7,58
